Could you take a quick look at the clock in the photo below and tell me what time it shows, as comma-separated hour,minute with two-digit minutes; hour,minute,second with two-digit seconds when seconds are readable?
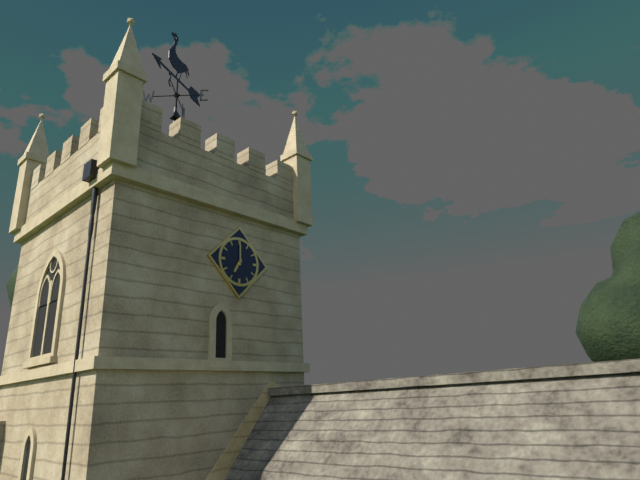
7,00
